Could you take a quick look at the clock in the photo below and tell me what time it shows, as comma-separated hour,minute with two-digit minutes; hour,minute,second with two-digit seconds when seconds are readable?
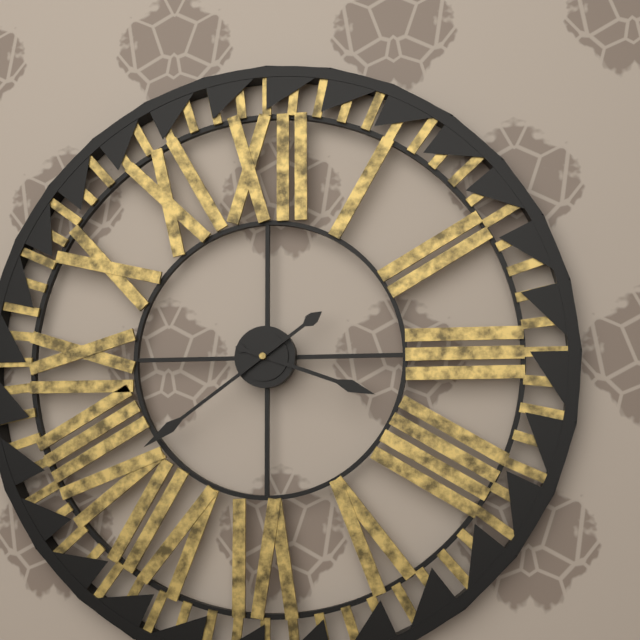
3,39
